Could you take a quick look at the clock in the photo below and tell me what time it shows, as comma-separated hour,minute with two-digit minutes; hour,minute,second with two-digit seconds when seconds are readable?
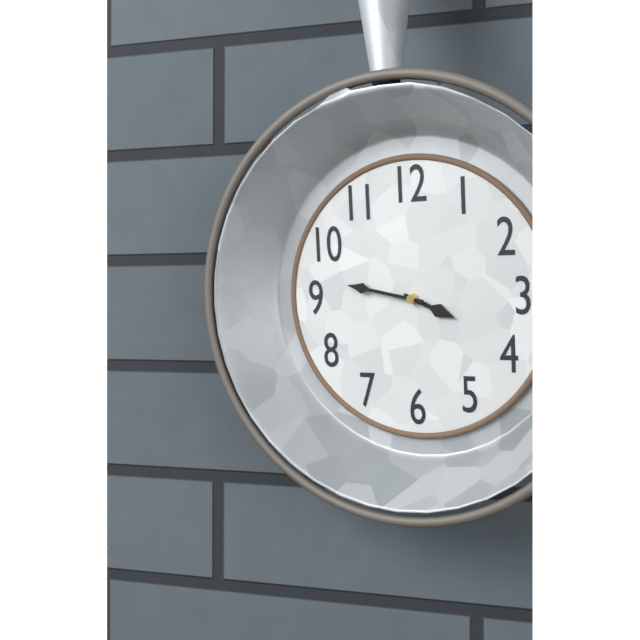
3,47
